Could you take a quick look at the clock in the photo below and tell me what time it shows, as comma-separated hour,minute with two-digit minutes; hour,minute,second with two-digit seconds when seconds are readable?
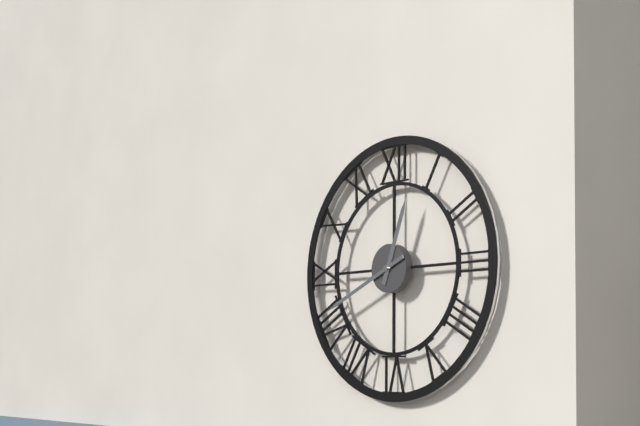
12,41
